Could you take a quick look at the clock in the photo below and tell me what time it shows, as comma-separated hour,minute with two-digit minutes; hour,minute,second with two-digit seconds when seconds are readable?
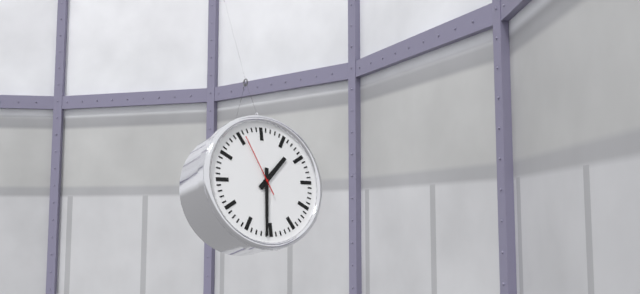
1,31,56
